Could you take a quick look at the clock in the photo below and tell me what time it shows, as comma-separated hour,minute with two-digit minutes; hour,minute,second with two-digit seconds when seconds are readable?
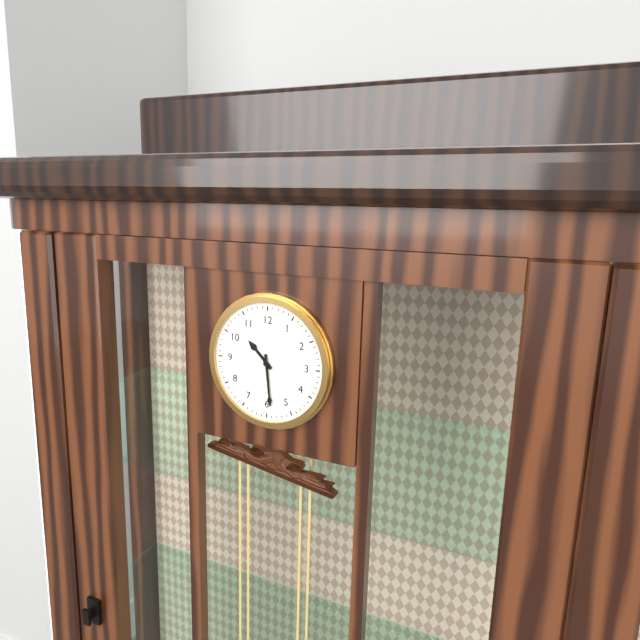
10,29
